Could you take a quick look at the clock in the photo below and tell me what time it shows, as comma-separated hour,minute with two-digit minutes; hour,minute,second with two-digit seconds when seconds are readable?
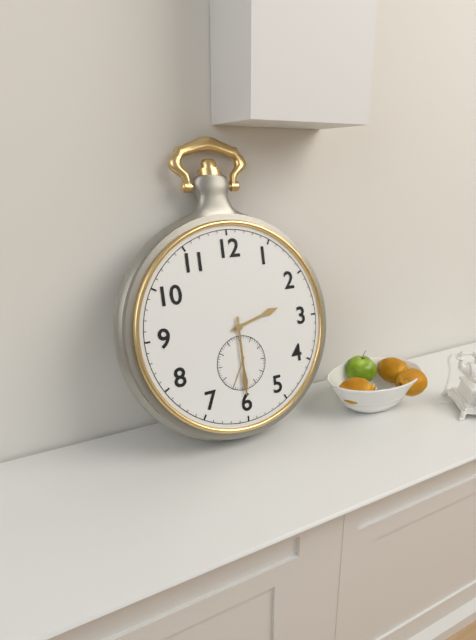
2,30
